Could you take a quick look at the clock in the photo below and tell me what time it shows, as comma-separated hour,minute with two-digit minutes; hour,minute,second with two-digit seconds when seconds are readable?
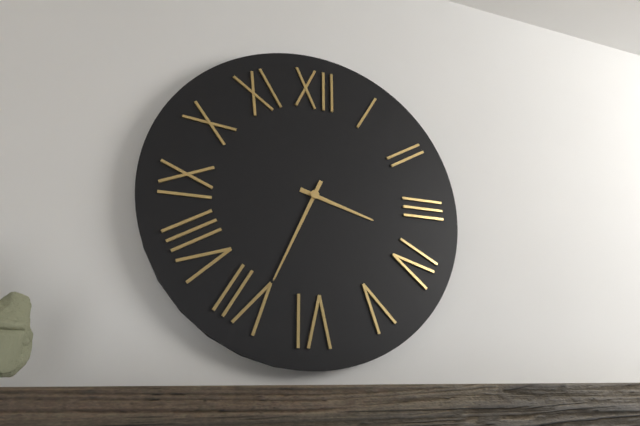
3,34
